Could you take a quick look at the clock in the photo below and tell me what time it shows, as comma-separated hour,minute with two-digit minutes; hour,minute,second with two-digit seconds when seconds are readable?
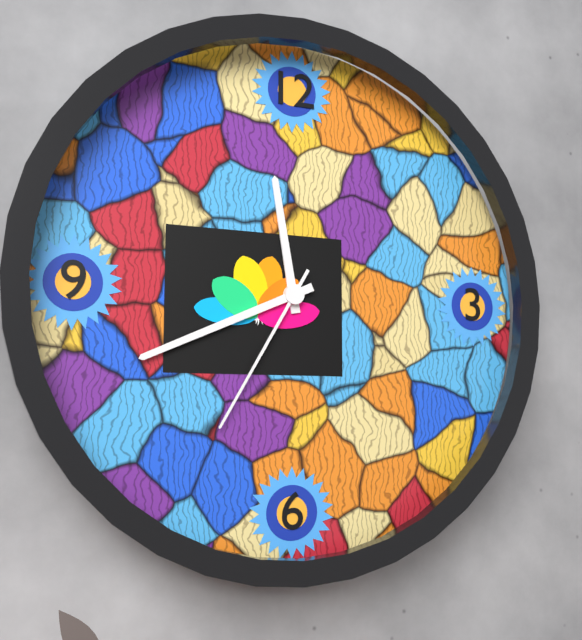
11,41,35
